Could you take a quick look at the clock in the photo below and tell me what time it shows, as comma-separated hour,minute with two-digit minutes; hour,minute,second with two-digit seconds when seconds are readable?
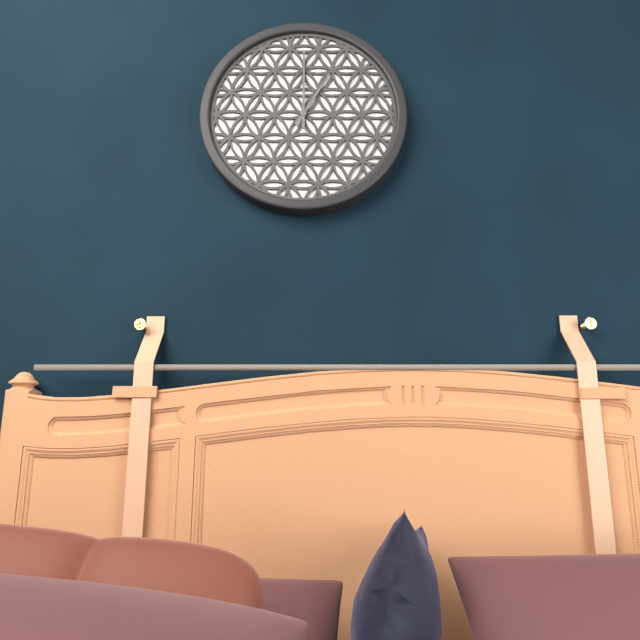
1,00
